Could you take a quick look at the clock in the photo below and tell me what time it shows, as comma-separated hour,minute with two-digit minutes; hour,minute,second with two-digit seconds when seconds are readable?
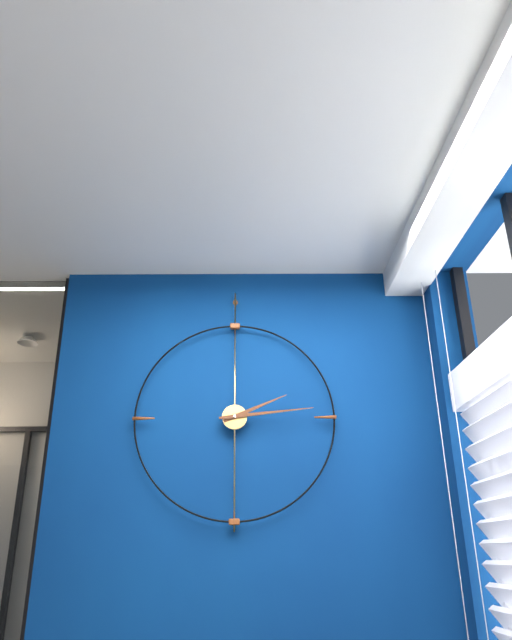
2,14
